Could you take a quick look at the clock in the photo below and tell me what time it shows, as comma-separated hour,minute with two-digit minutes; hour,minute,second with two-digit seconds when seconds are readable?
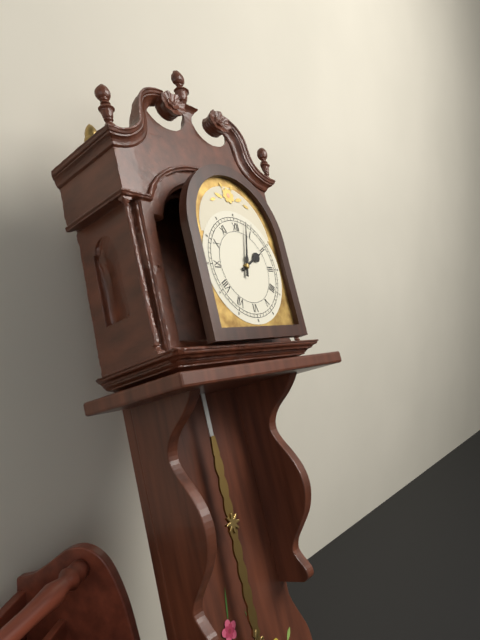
2,03
